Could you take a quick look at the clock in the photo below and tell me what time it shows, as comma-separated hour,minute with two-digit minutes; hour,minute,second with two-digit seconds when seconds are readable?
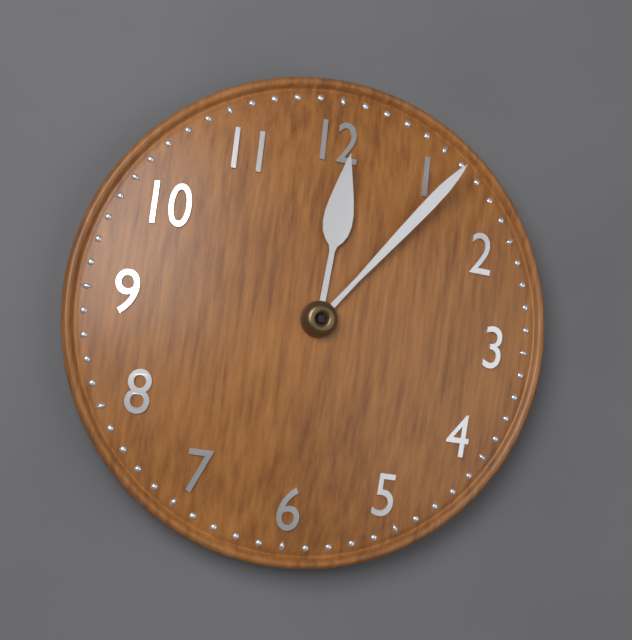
12,06
